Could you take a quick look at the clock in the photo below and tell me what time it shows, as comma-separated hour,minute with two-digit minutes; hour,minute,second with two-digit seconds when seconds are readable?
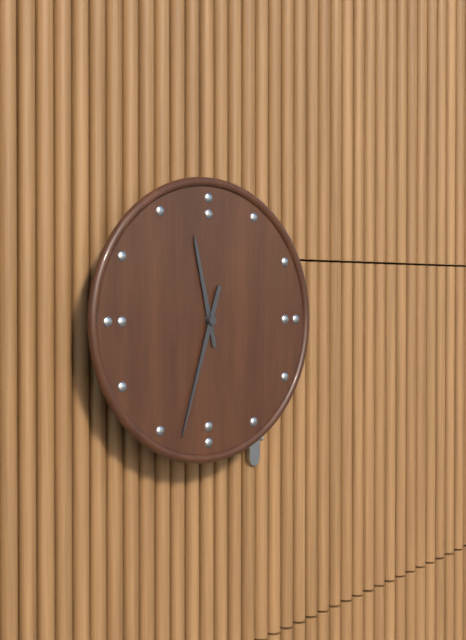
11,33
